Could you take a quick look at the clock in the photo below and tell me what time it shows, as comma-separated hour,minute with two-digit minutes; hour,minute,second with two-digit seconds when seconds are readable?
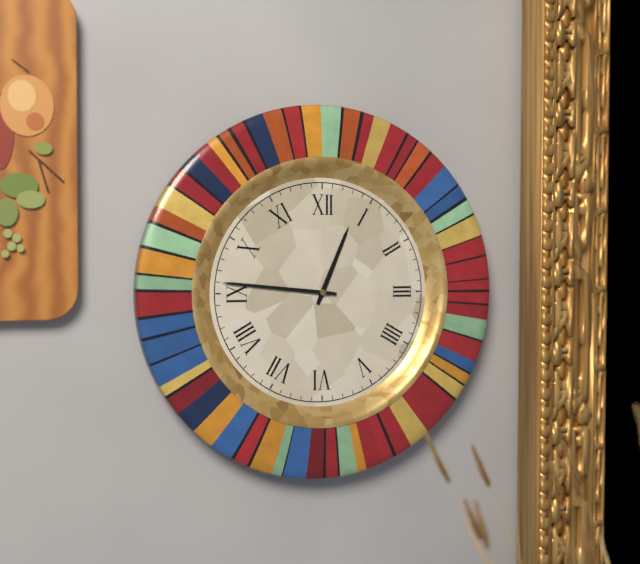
12,46
